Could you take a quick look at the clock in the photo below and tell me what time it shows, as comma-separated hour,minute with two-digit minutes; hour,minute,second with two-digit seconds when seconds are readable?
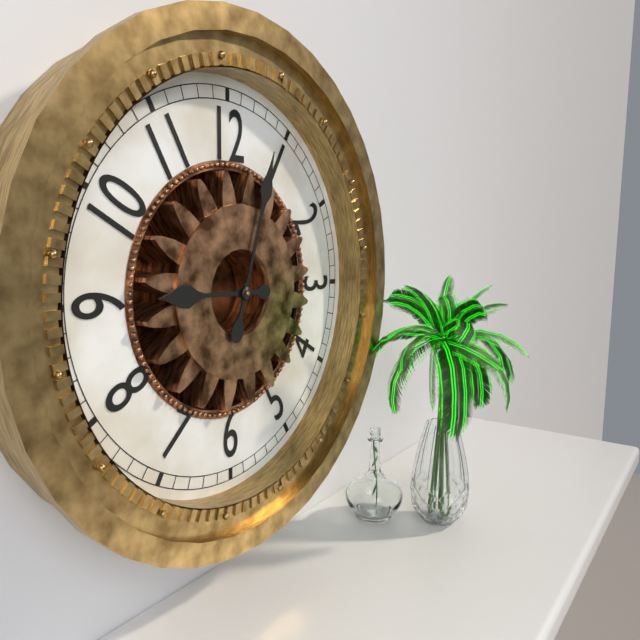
9,03
